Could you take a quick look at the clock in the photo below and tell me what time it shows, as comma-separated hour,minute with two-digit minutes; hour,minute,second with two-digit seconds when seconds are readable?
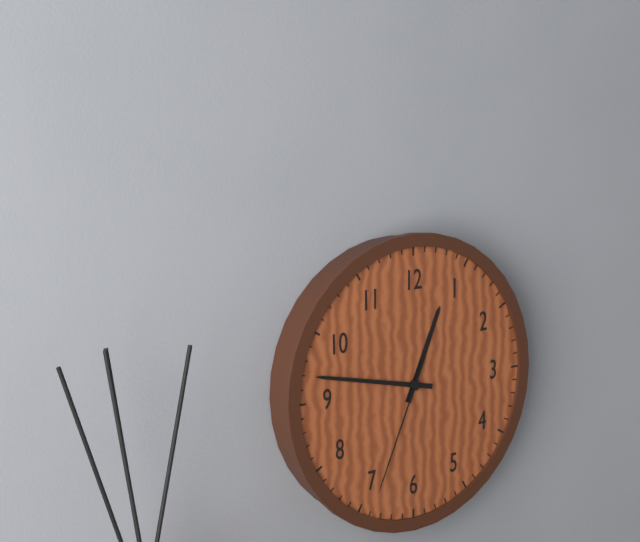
12,47,34
